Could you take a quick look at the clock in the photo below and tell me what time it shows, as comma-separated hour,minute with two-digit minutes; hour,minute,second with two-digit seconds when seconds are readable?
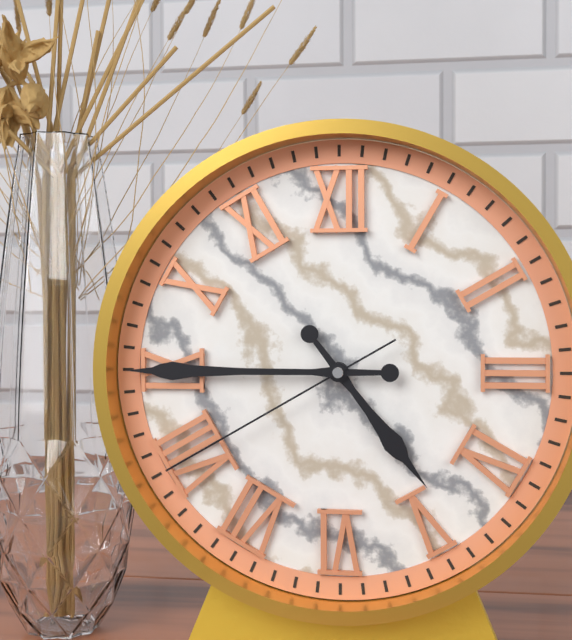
4,45,40
